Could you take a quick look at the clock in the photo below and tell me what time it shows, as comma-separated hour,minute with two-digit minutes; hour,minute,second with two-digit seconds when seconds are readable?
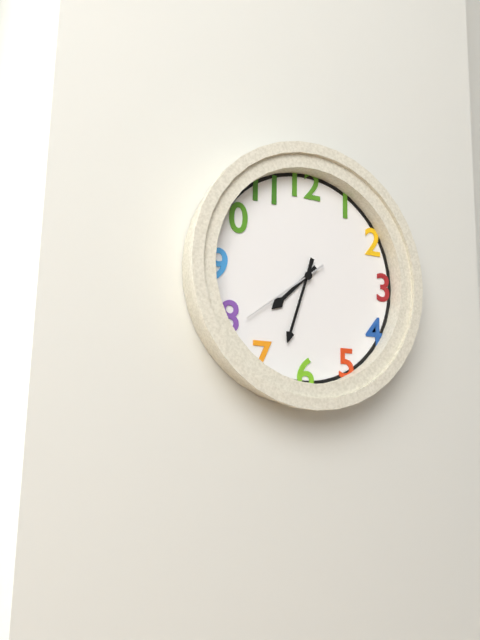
7,33,39
